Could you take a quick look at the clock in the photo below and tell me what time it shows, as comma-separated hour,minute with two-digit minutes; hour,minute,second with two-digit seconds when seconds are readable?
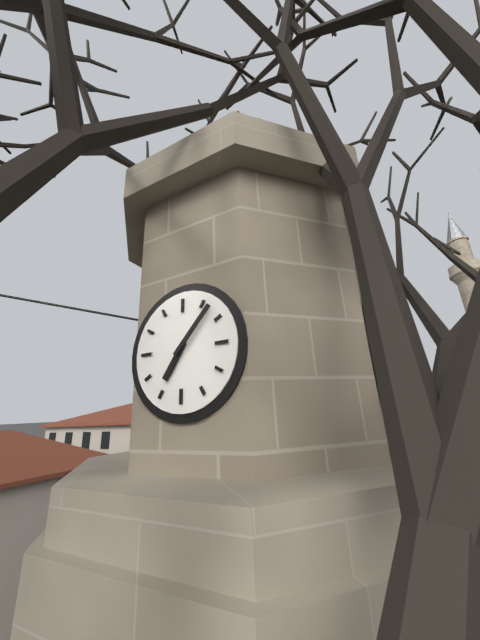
7,07
